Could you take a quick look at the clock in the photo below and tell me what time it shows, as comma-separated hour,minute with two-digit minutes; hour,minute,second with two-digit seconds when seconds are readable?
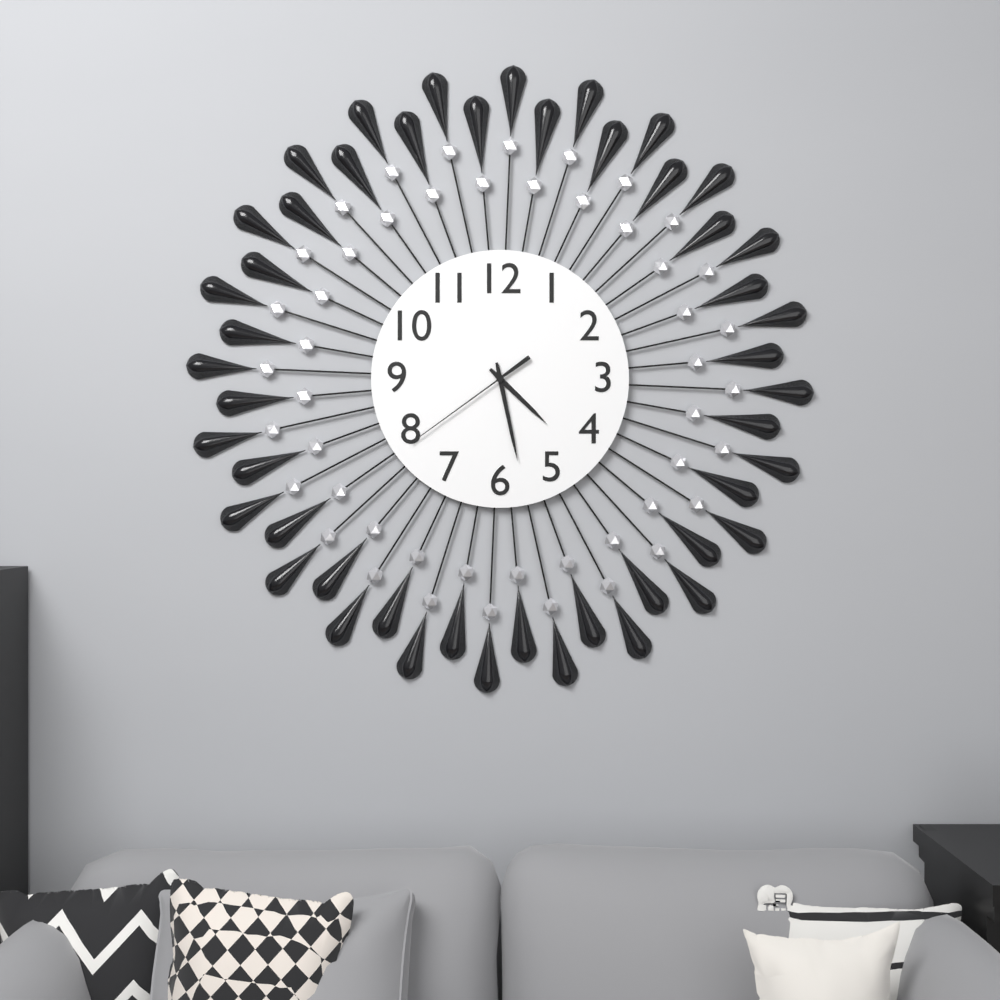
4,28,39
